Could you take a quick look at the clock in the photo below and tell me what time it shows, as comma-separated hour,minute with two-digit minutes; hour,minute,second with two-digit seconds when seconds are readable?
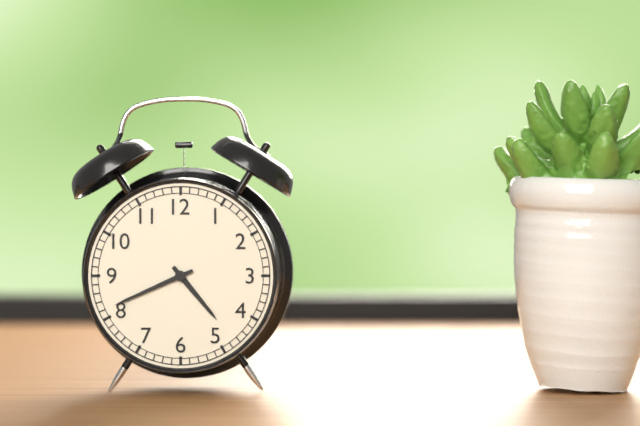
4,41
